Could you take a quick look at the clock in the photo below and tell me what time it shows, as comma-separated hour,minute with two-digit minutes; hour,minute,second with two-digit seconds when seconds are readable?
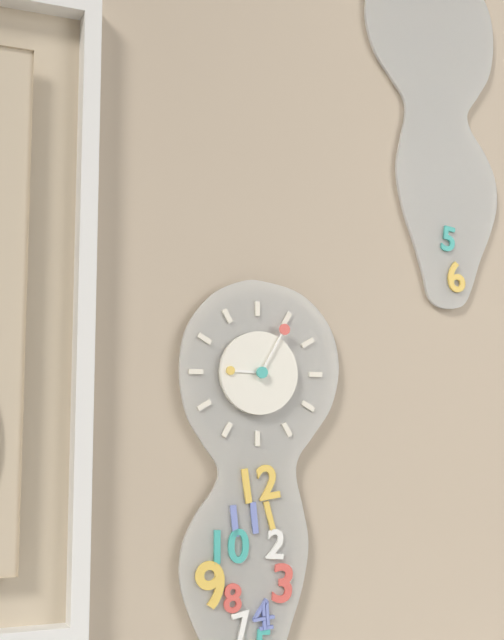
9,05
